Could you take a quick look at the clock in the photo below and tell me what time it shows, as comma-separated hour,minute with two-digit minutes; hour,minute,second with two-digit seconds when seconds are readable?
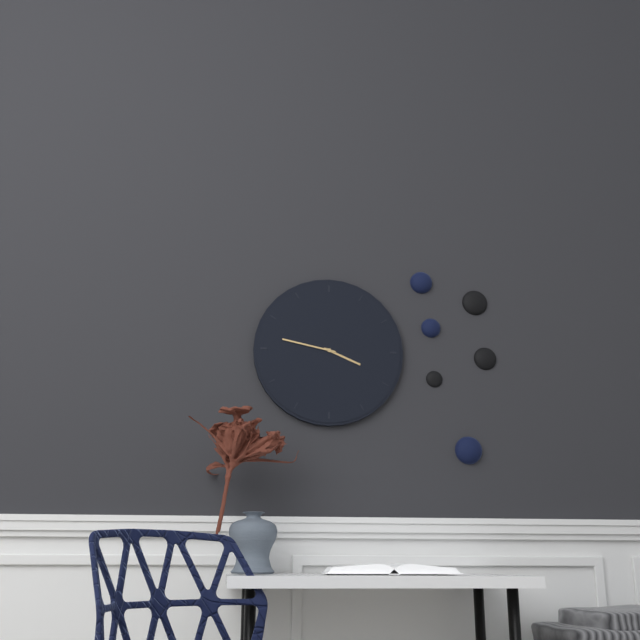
3,47
